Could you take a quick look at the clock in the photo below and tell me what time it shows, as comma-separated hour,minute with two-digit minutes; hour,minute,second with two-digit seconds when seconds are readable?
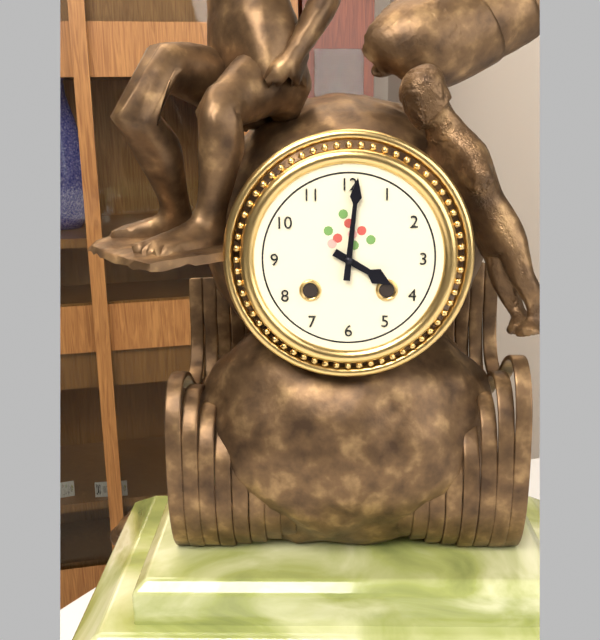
4,01
